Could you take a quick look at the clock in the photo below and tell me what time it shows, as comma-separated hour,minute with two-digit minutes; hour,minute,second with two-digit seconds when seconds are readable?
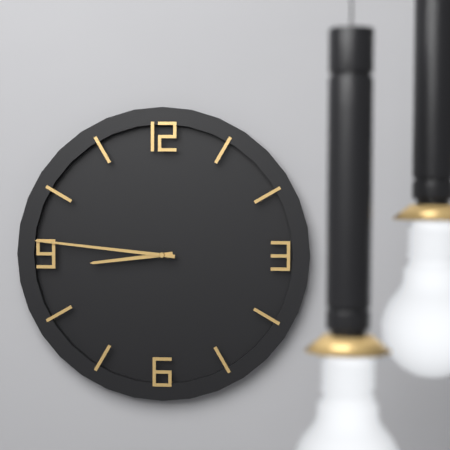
8,46
